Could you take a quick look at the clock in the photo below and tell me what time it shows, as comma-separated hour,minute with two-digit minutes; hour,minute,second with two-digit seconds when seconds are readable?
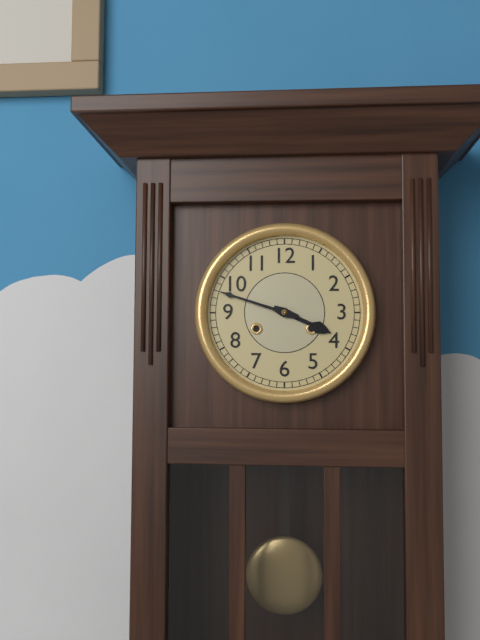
3,48
